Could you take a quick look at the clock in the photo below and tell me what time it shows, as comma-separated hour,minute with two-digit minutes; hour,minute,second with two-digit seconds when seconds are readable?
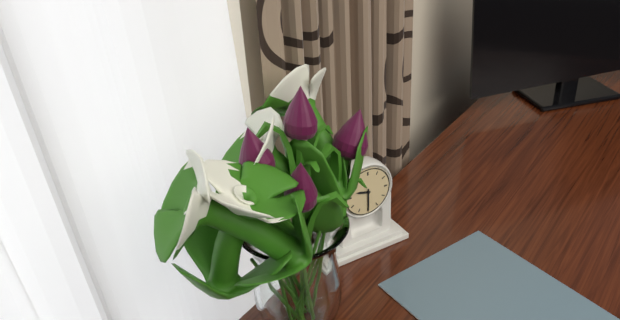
9,30
